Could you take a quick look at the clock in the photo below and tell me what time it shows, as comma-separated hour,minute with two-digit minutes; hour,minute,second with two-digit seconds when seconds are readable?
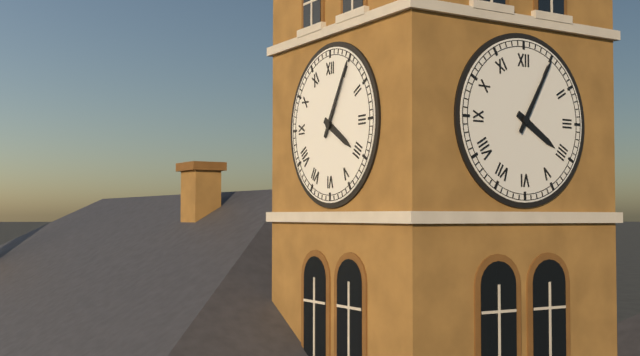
4,05
